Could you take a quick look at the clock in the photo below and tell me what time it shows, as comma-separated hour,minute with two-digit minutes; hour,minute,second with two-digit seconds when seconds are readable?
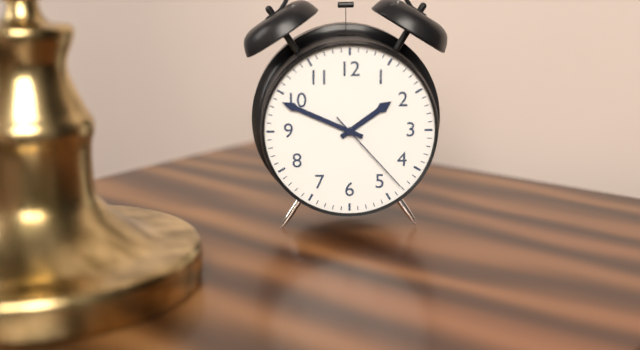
1,49,23
